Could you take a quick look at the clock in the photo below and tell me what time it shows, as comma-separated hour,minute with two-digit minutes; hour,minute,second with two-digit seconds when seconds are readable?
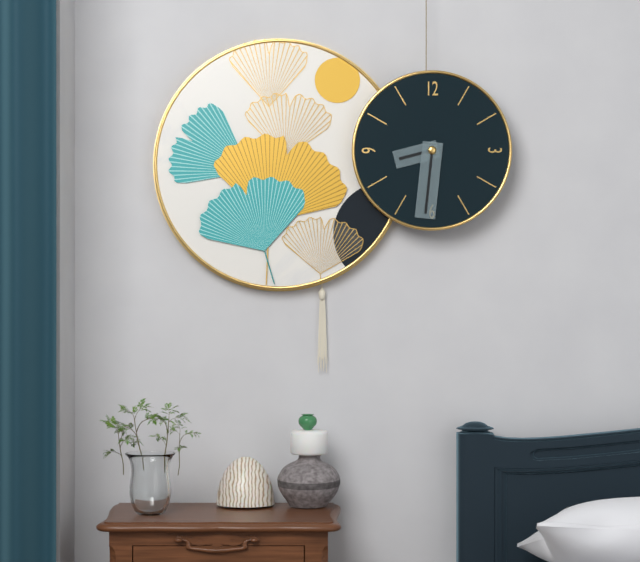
8,31
